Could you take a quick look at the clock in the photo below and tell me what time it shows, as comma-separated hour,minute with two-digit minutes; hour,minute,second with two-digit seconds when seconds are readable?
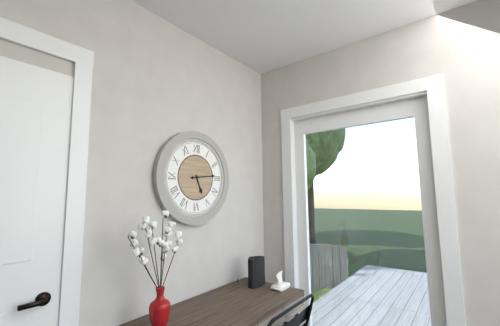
5,14
